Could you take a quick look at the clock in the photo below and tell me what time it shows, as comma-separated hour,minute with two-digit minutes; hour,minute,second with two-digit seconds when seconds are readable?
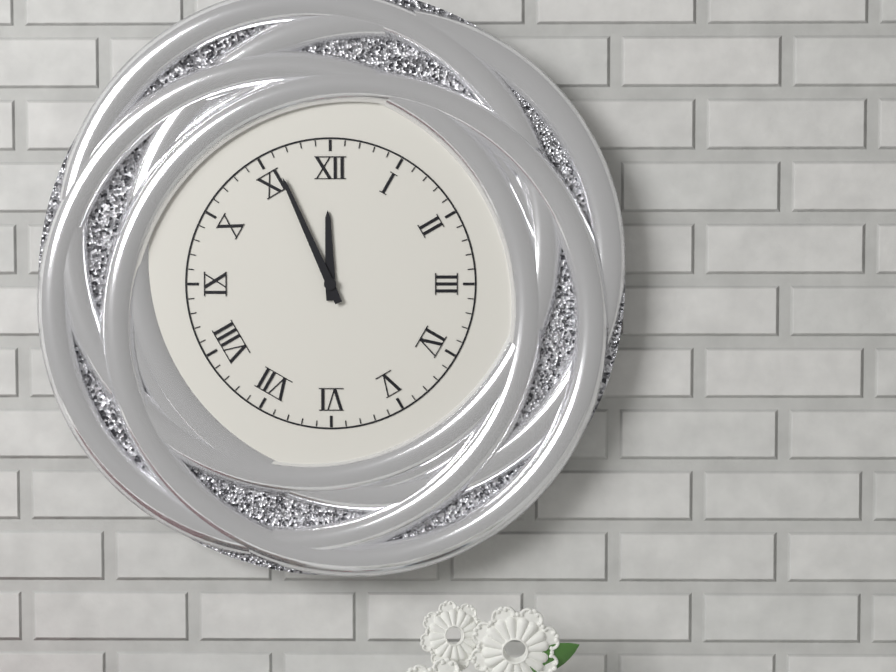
11,56
